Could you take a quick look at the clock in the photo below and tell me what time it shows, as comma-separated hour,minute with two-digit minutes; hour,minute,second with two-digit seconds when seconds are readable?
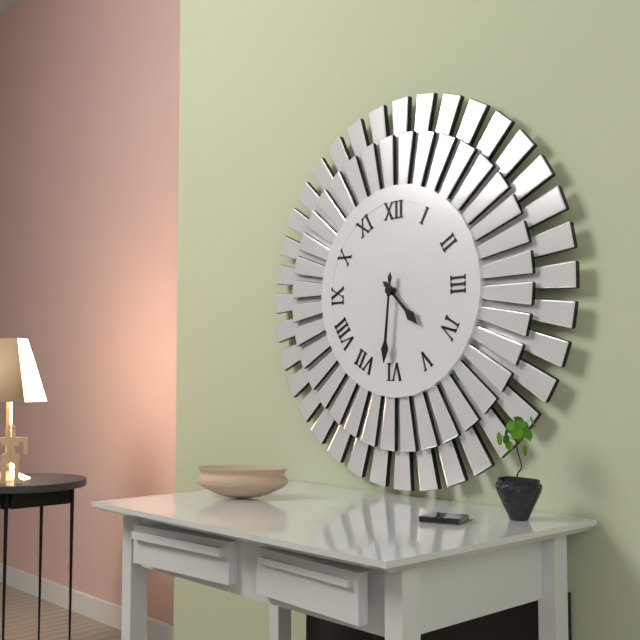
4,31
